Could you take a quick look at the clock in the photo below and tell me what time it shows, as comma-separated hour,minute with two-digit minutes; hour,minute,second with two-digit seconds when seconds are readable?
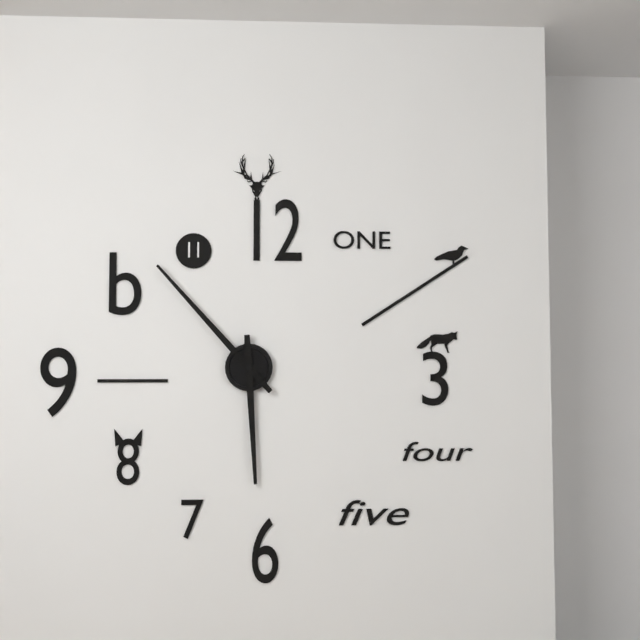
5,53
